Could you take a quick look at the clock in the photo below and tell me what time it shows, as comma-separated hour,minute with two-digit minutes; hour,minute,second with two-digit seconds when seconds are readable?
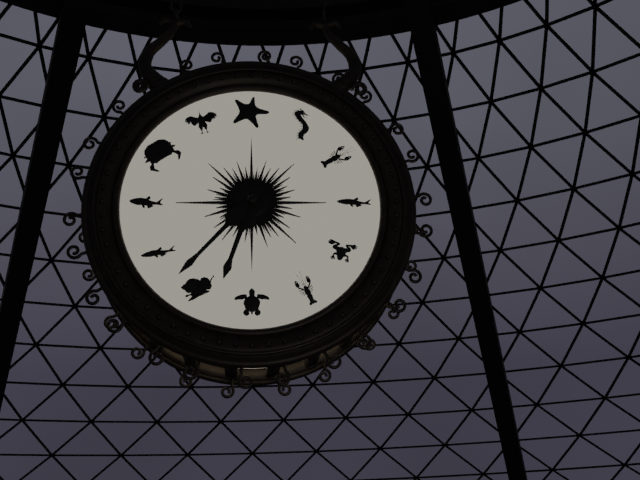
6,37
